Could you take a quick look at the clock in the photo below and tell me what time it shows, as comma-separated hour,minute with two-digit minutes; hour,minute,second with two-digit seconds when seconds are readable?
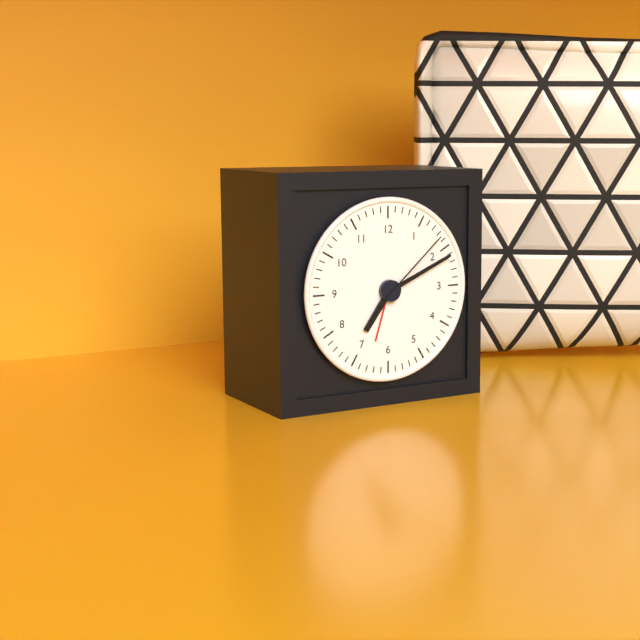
7,11,08
